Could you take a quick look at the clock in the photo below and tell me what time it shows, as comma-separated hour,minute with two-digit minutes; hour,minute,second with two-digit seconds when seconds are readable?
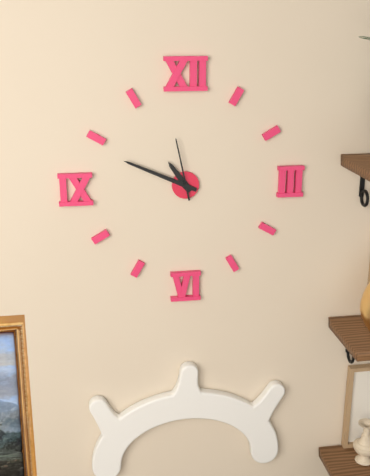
10,49,58
